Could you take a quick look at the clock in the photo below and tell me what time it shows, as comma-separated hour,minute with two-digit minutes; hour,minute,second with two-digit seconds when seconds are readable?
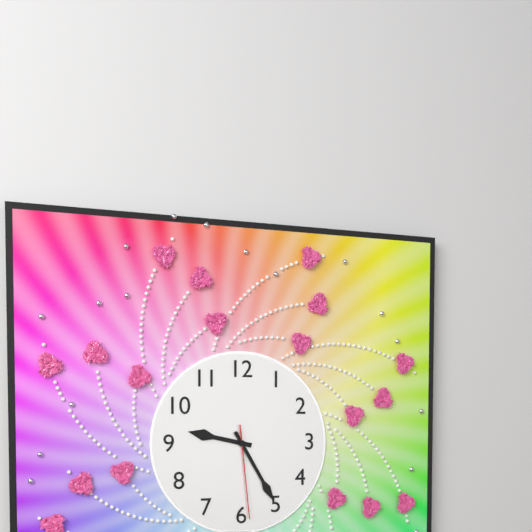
9,25,29
